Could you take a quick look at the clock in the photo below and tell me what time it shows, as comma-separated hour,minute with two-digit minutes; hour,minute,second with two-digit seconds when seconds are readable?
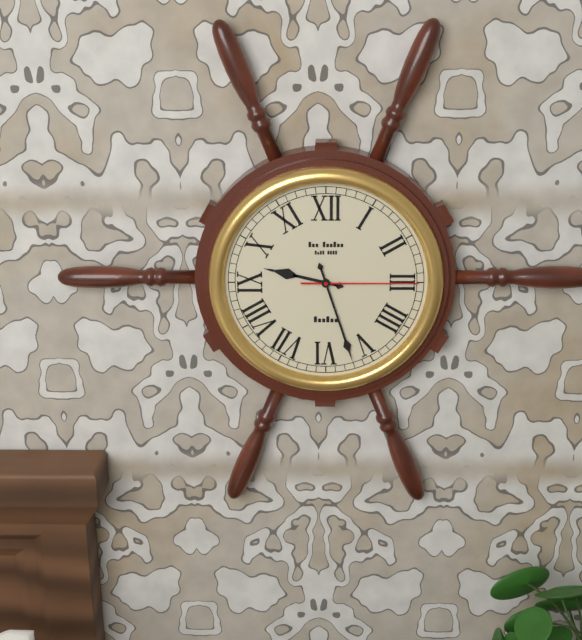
9,27,15
